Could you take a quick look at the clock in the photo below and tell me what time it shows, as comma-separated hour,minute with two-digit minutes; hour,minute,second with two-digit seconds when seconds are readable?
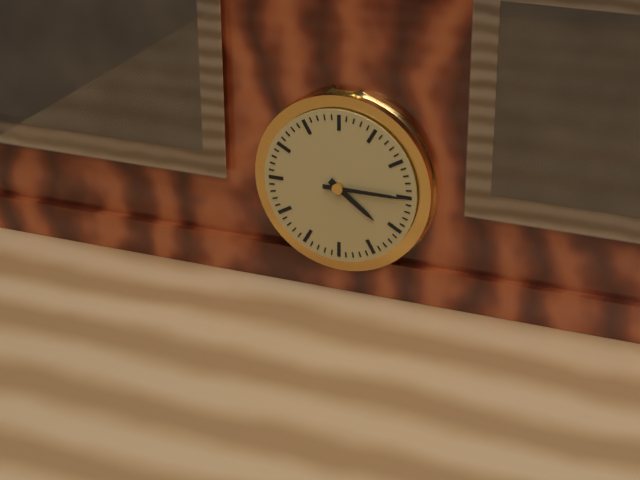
4,15
